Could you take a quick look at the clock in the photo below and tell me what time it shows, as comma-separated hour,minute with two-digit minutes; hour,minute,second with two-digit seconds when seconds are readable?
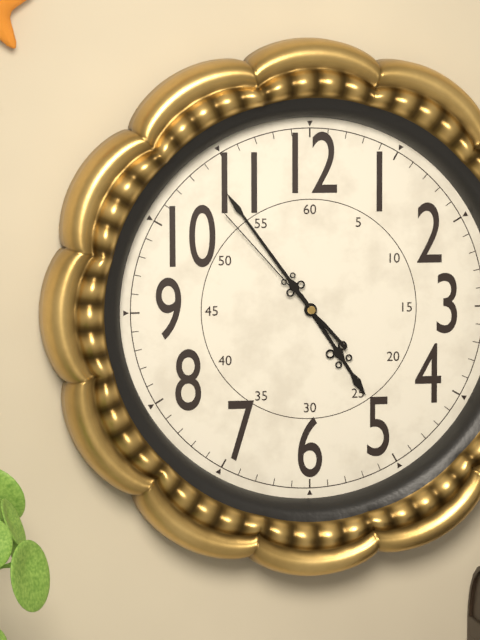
4,54,53
